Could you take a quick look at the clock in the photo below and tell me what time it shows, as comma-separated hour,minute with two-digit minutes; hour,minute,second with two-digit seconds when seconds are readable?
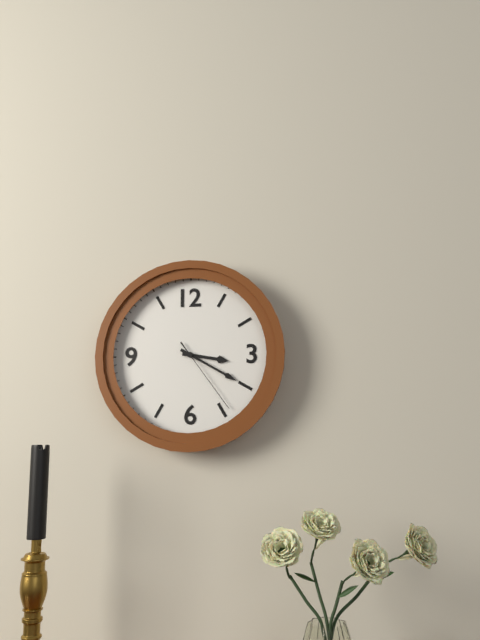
3,20,24
